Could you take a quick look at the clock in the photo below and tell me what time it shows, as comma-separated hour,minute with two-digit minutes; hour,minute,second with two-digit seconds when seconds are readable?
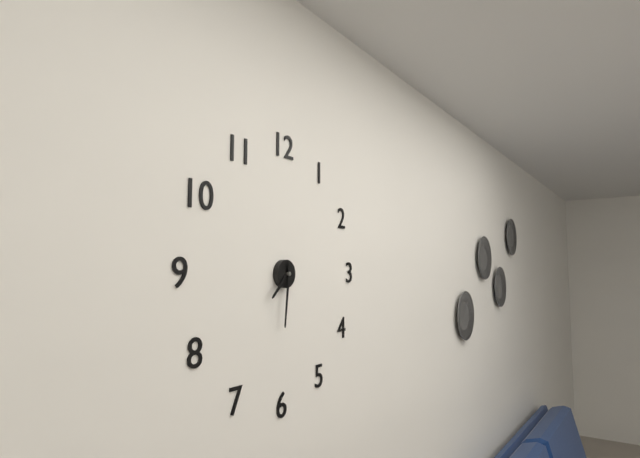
7,31
